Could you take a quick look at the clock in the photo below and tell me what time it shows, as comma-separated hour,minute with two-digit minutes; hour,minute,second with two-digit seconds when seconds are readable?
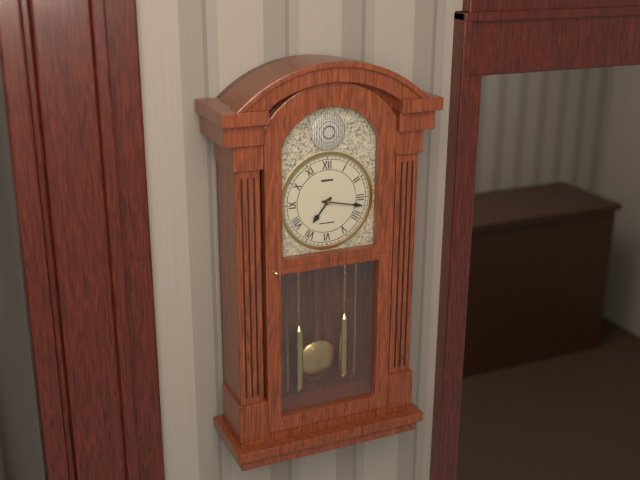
7,17
